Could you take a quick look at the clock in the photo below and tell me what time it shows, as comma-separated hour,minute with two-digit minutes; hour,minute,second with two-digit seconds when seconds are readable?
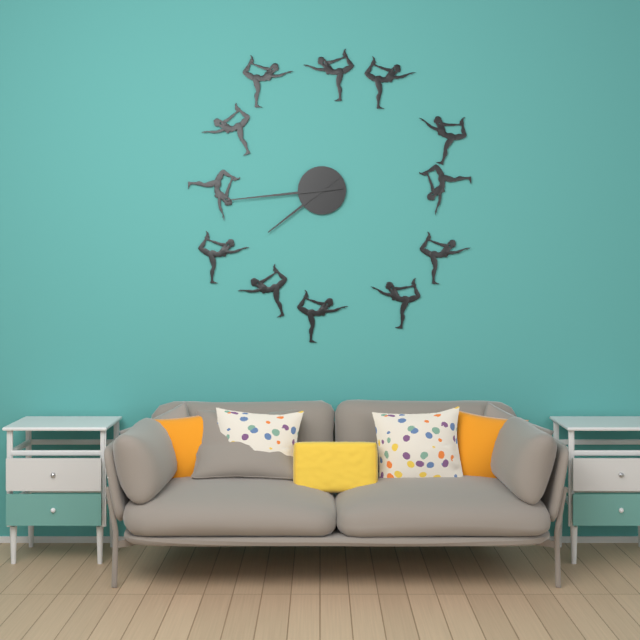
7,44
